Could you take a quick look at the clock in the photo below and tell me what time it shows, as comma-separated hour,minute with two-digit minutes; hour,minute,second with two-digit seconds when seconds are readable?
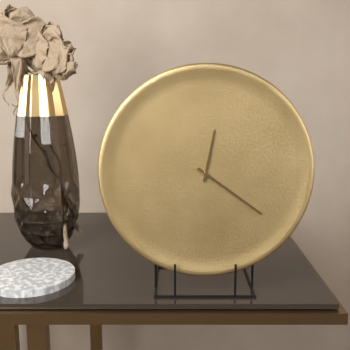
12,21
